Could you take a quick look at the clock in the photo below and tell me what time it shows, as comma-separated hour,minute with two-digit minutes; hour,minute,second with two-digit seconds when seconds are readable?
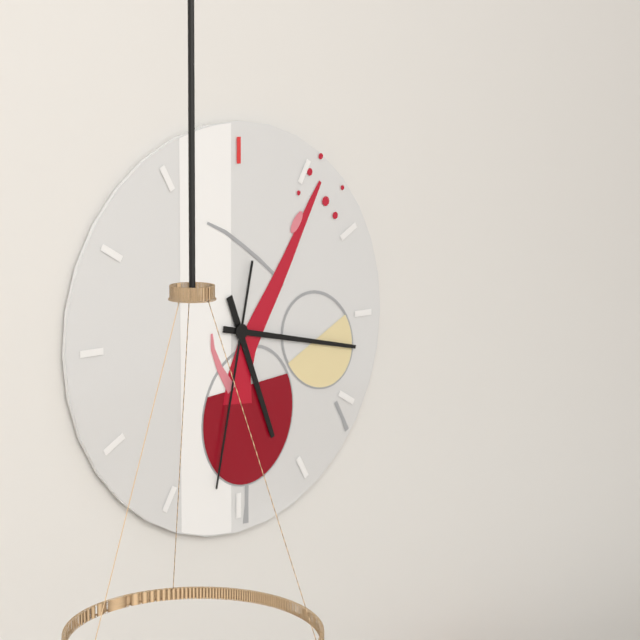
5,17,32
